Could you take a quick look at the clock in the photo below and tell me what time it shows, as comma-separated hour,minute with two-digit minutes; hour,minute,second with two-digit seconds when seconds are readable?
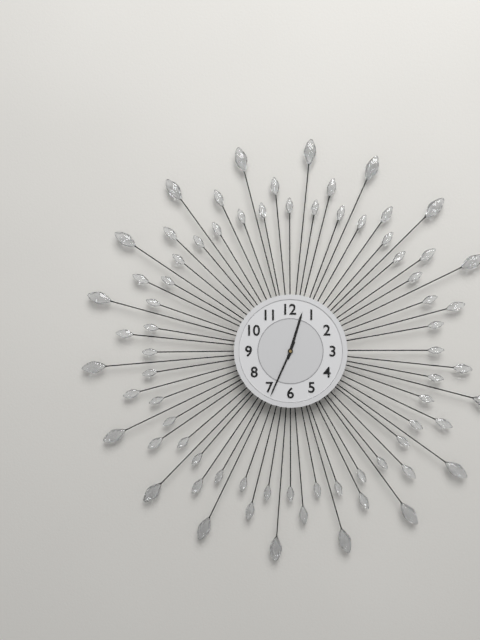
12,34
